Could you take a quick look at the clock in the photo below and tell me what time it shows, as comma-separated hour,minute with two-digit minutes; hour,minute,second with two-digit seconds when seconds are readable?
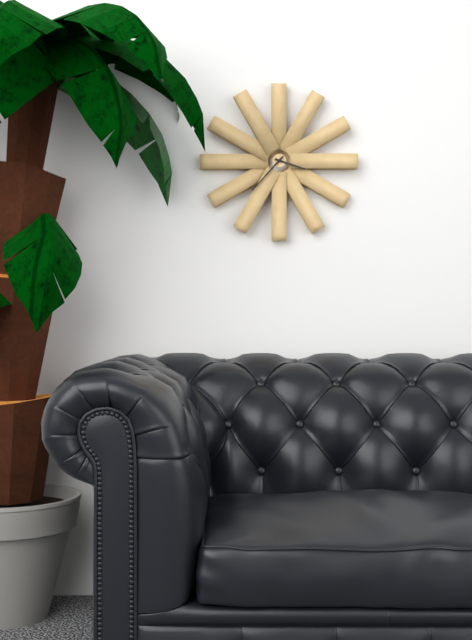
3,37
